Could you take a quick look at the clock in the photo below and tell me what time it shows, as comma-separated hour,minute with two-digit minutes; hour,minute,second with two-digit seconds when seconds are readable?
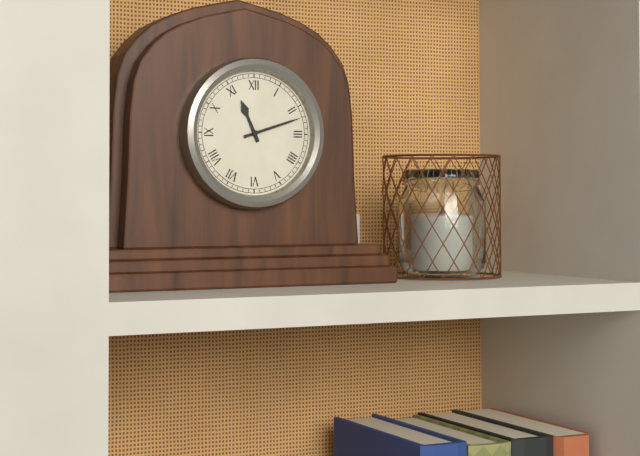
11,12
